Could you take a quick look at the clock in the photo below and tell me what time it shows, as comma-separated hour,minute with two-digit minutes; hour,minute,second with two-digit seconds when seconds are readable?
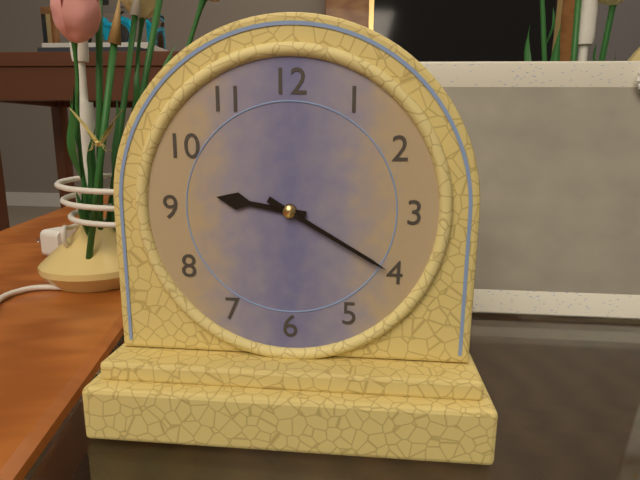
9,20
